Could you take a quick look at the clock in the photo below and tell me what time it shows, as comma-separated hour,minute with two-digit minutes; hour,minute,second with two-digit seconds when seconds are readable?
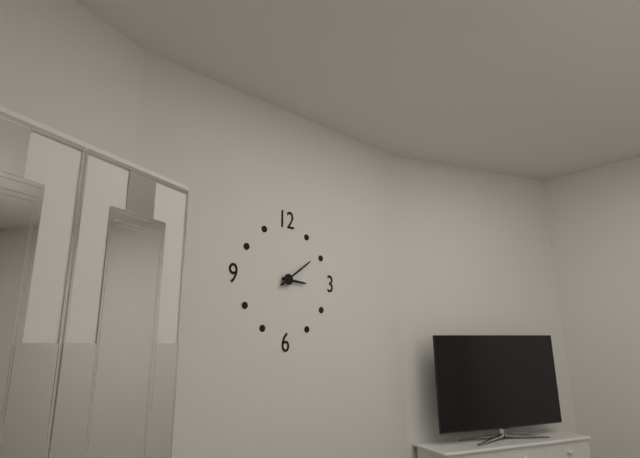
3,09
